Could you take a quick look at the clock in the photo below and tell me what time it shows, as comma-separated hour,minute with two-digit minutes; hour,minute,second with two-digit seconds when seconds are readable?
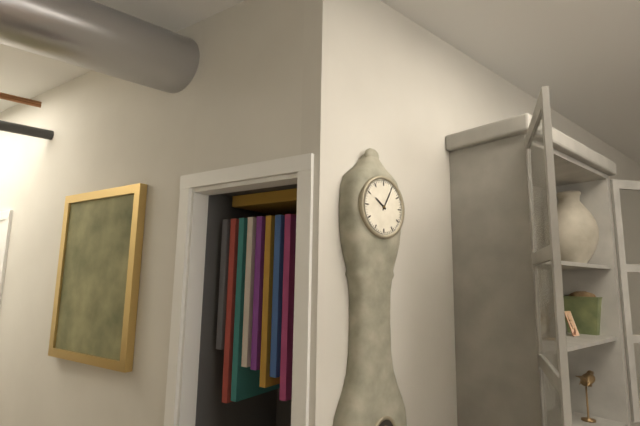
10,05
